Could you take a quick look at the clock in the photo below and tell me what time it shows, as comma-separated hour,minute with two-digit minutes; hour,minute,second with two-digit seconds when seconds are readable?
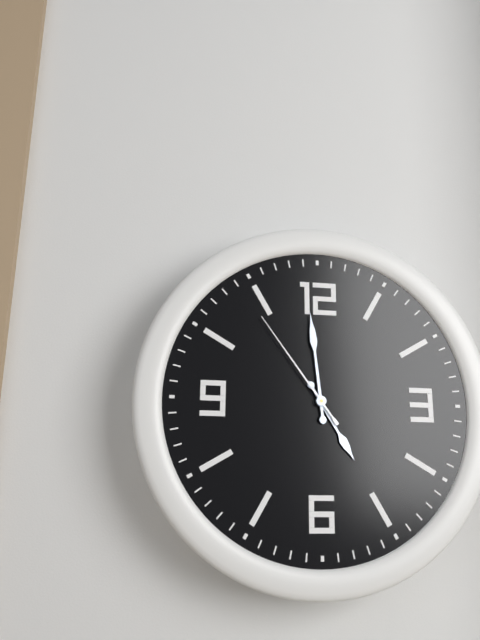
4,59,54
